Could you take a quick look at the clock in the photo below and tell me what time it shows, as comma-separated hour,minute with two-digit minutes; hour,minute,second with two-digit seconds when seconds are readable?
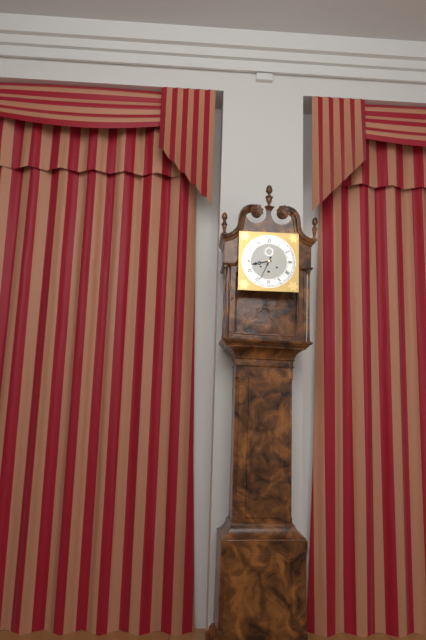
8,34
